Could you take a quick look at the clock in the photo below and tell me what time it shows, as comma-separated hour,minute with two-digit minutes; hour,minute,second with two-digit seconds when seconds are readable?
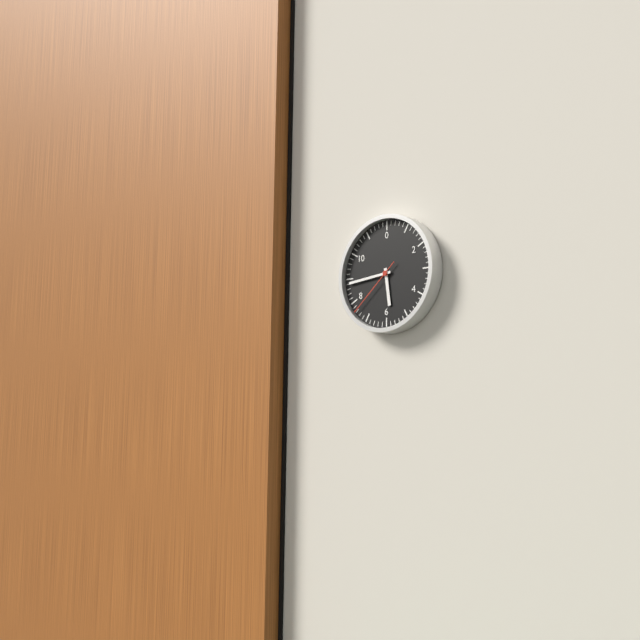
5,44,38
